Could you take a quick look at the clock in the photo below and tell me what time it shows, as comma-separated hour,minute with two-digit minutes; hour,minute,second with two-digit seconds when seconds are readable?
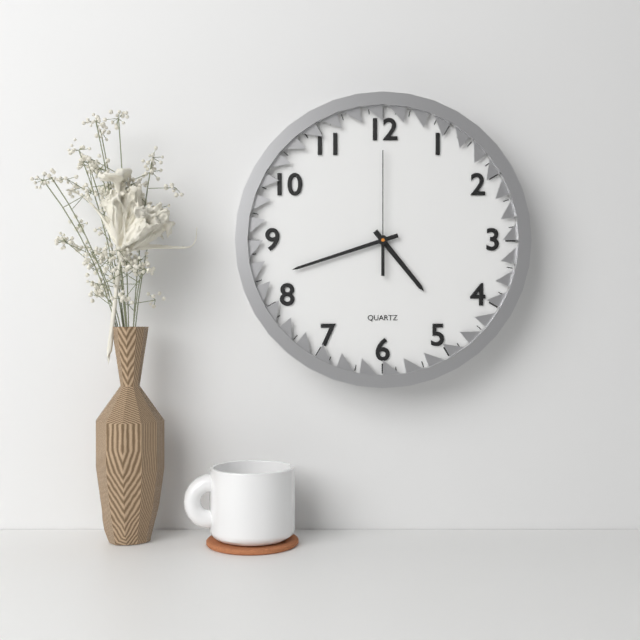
4,42,00
